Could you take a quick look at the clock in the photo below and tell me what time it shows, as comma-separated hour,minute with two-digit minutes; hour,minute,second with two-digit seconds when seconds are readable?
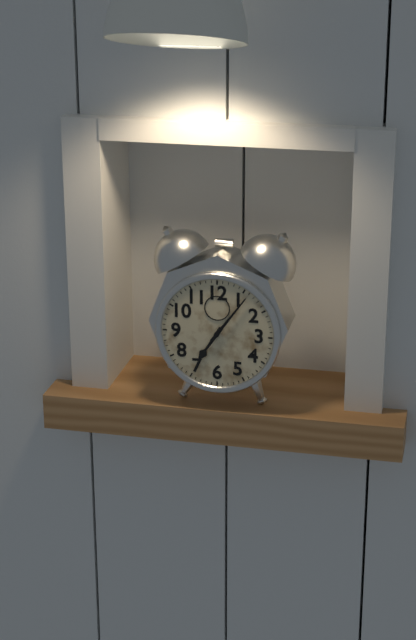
7,06
